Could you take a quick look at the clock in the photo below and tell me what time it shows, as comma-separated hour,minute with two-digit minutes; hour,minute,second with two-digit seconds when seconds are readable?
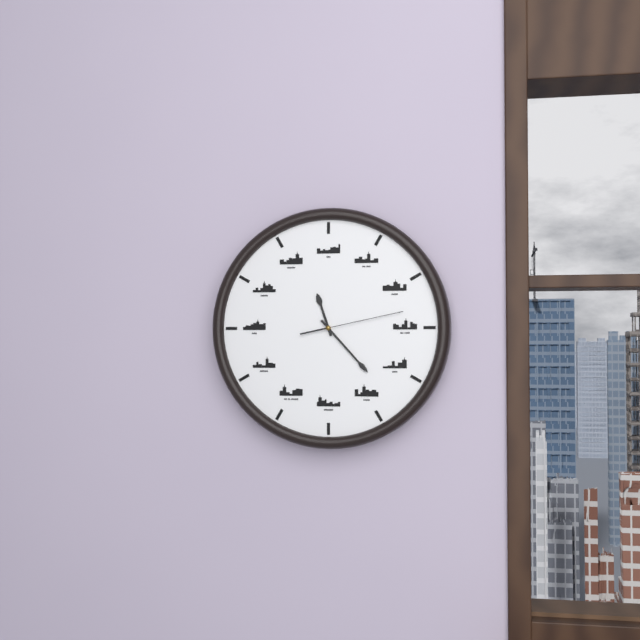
11,23,13
